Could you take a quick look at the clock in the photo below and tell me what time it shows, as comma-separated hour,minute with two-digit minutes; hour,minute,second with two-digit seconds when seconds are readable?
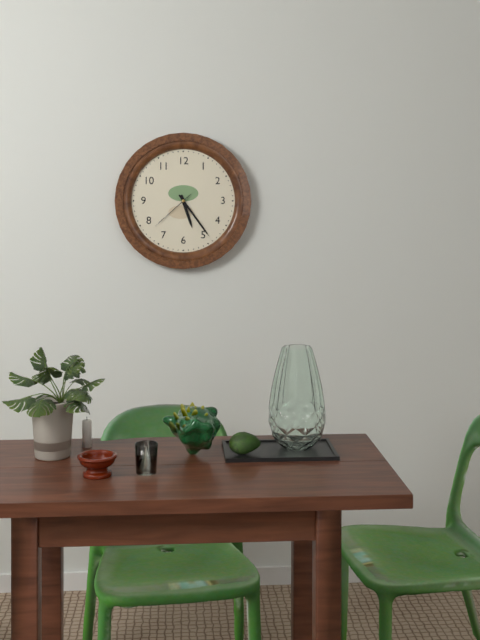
5,24
